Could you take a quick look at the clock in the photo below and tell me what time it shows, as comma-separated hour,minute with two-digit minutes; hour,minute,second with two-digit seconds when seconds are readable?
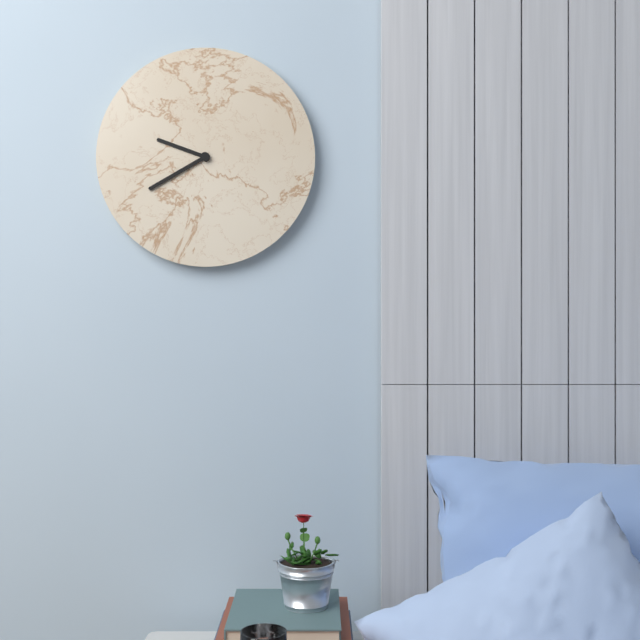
9,40
